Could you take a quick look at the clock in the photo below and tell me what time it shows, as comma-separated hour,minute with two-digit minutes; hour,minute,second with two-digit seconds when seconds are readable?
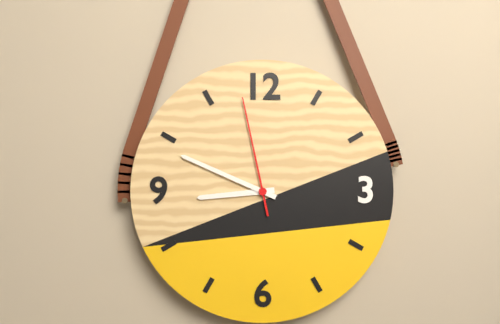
8,49,58
